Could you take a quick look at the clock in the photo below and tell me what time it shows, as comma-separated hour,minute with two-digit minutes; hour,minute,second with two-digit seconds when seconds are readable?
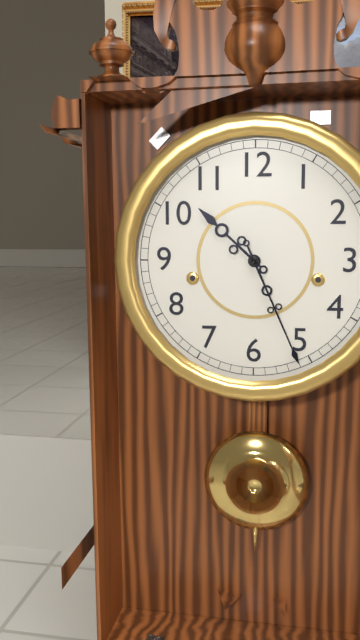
10,26
